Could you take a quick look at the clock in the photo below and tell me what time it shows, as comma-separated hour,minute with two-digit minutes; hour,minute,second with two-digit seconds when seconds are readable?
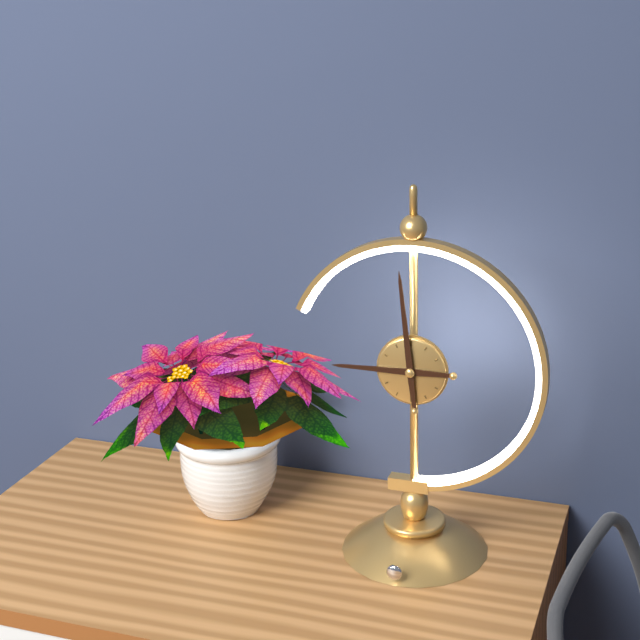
8,59
